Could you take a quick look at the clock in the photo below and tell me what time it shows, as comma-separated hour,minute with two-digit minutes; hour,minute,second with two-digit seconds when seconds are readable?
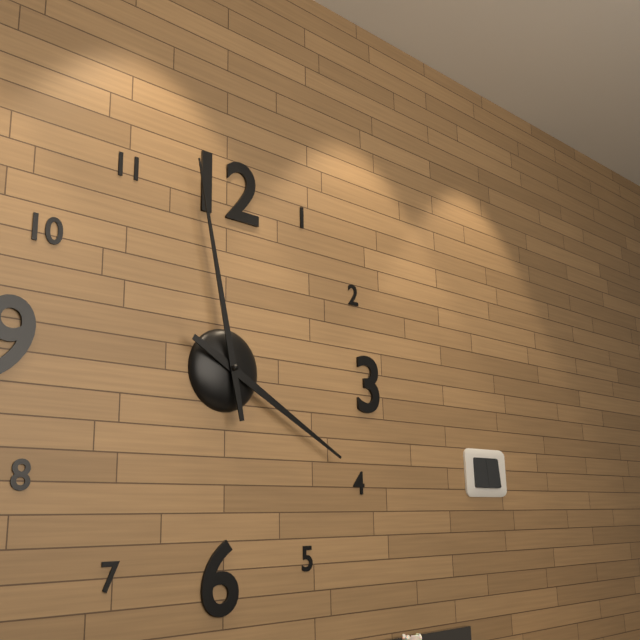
3,58
